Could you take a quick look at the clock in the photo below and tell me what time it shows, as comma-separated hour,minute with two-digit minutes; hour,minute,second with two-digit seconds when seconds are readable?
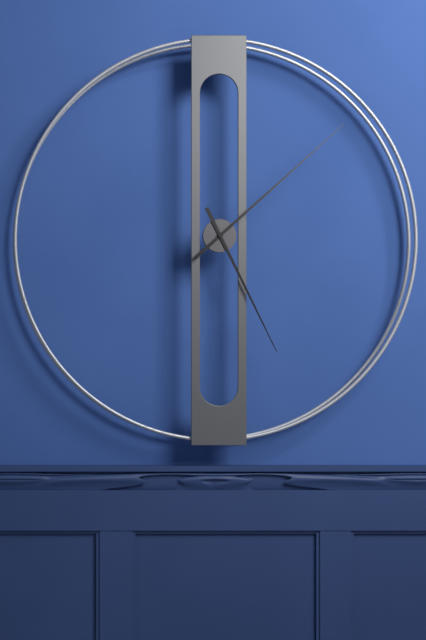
5,08
